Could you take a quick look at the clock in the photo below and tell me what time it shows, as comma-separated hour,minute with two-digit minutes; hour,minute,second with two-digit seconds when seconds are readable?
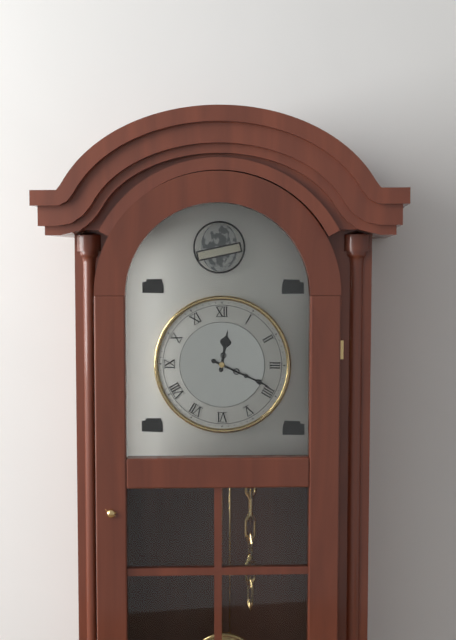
12,19
